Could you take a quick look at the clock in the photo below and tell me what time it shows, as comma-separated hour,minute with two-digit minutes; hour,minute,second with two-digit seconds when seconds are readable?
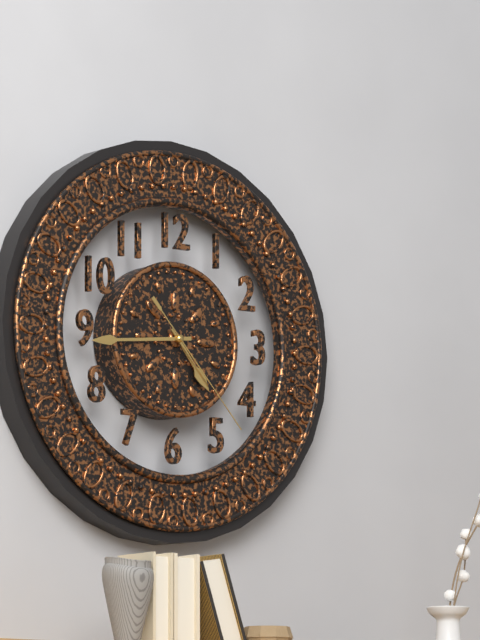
4,44,23
